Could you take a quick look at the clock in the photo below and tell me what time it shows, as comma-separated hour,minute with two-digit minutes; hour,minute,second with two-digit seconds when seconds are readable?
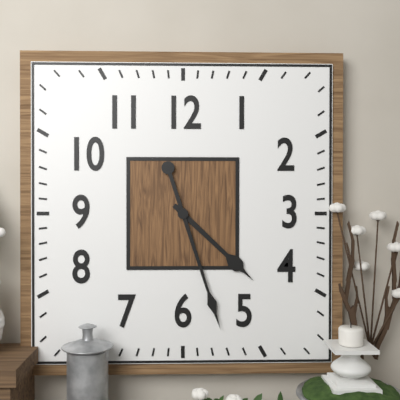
4,27
